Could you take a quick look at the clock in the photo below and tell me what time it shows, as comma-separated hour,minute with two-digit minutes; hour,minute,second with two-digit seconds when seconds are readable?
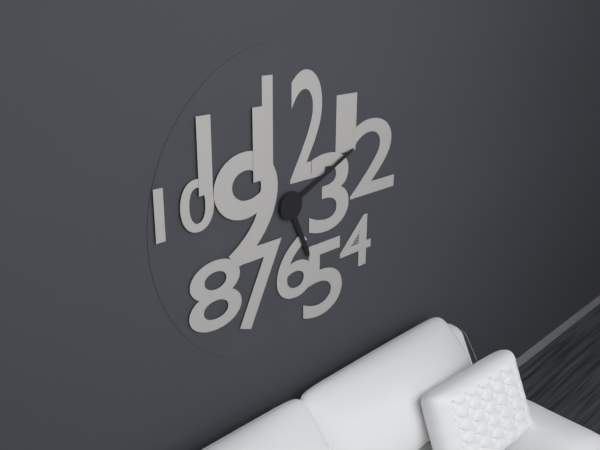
5,11
